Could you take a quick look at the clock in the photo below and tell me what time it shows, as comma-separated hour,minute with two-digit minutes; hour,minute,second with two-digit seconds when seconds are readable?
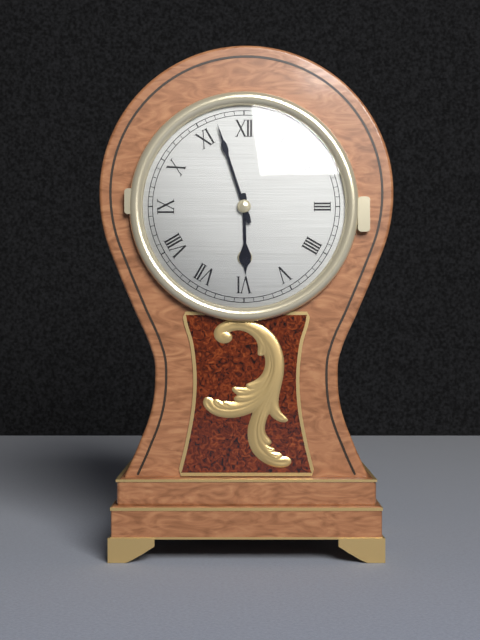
5,57
